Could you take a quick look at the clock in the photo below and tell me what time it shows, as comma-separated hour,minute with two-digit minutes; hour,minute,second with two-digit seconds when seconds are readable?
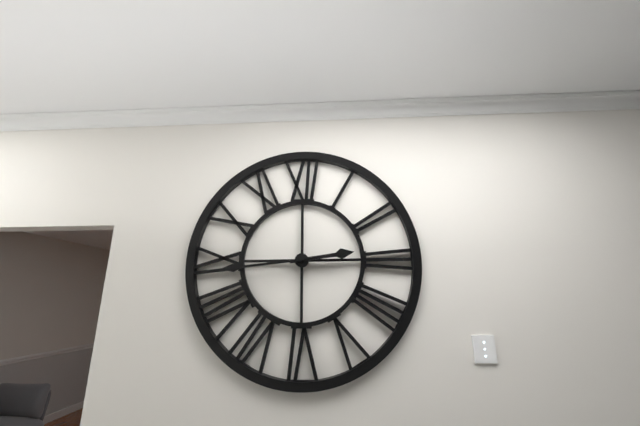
2,44
